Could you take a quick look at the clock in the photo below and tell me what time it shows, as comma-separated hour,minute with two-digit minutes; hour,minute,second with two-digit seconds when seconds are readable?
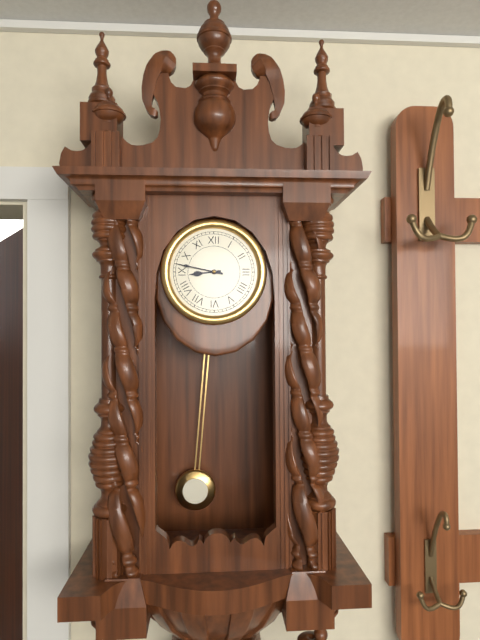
8,47
